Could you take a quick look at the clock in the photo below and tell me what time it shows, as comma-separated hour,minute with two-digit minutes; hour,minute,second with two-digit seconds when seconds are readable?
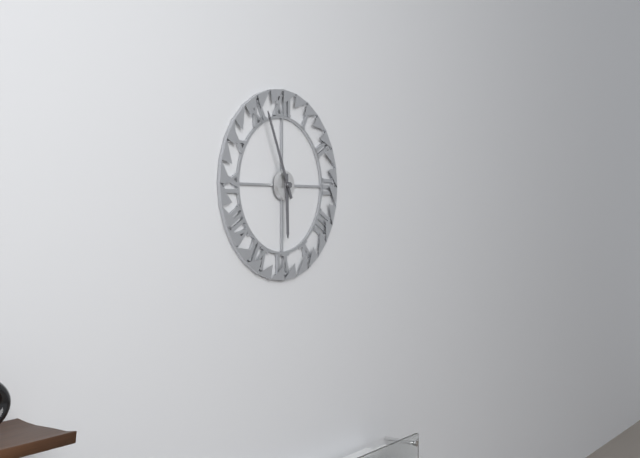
5,56
